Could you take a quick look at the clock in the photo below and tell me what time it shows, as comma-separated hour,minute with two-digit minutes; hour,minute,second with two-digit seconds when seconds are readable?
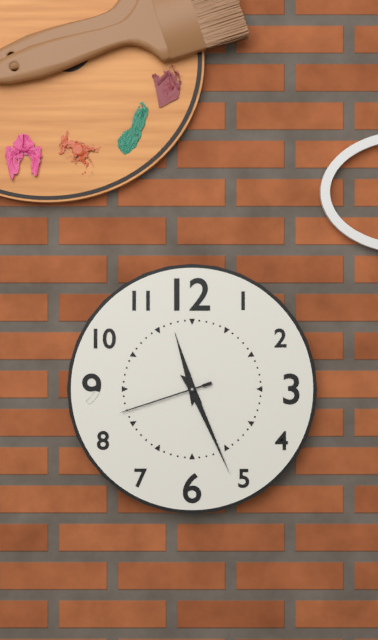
11,26,42
